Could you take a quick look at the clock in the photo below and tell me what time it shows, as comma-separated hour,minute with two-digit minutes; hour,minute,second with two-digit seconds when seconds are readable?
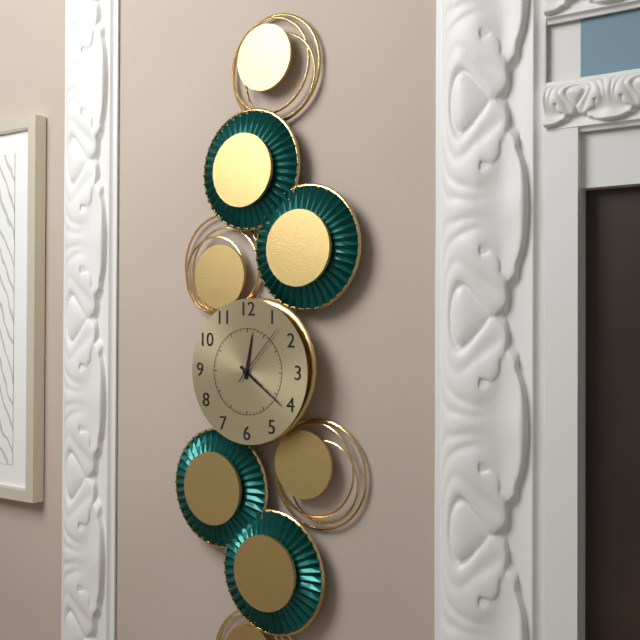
12,21,07
